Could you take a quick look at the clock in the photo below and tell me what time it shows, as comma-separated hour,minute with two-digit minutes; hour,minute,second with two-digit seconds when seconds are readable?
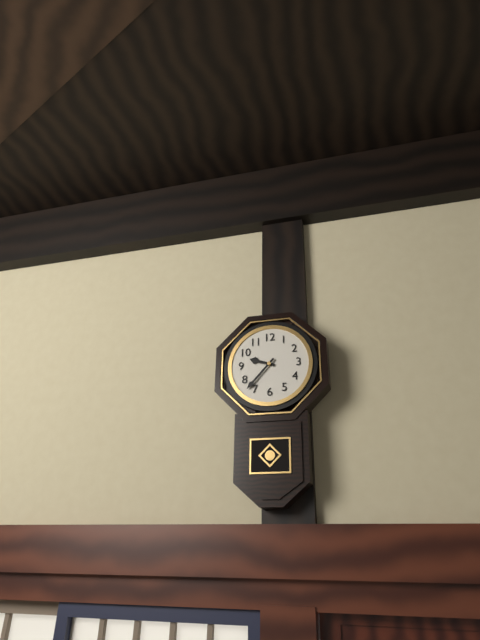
9,37
